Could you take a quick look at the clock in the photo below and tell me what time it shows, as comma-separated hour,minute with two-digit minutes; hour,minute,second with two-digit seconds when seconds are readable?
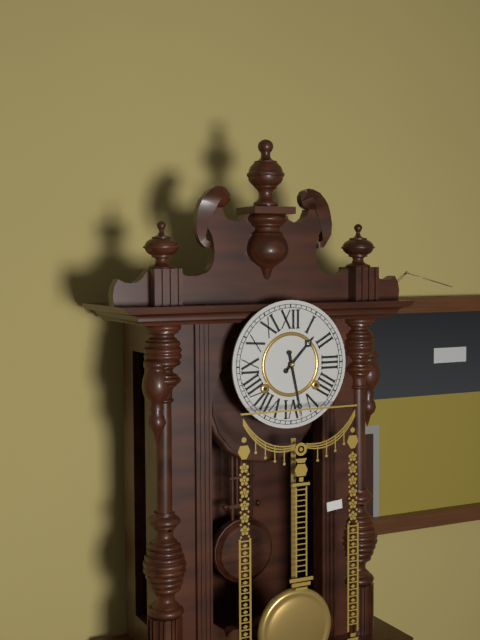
1,28
